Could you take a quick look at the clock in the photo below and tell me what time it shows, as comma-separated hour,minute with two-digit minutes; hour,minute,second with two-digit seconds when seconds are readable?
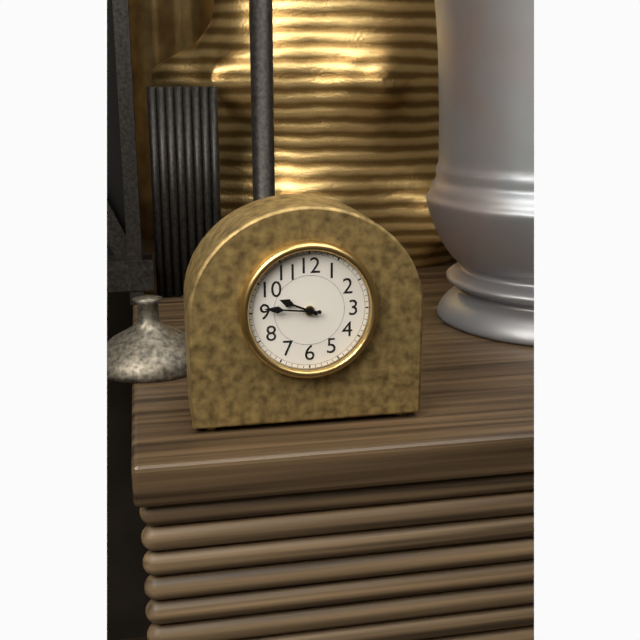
9,46
